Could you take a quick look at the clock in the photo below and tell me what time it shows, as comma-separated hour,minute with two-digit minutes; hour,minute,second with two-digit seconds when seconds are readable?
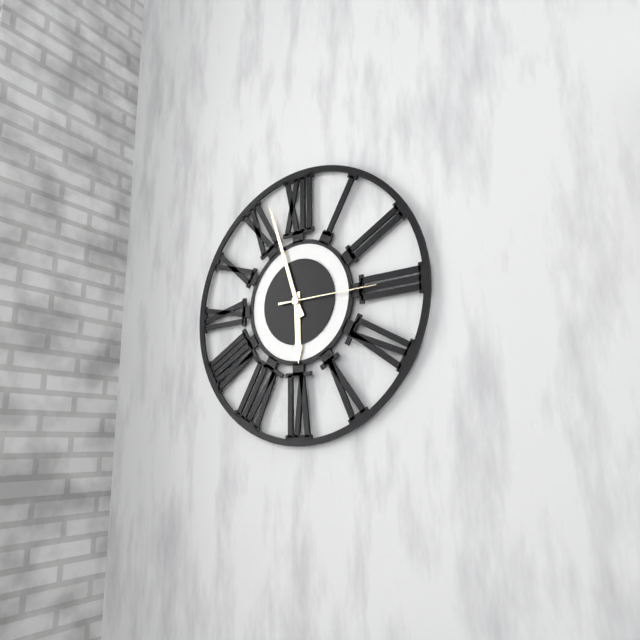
5,57,15
